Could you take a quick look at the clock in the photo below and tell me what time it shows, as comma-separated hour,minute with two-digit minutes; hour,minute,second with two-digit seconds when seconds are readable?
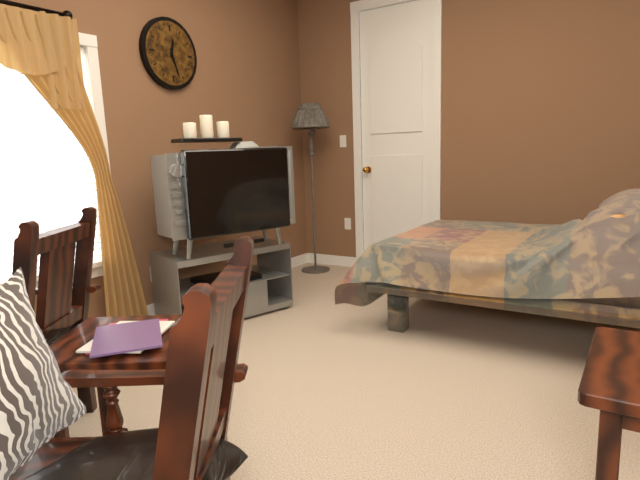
12,27
